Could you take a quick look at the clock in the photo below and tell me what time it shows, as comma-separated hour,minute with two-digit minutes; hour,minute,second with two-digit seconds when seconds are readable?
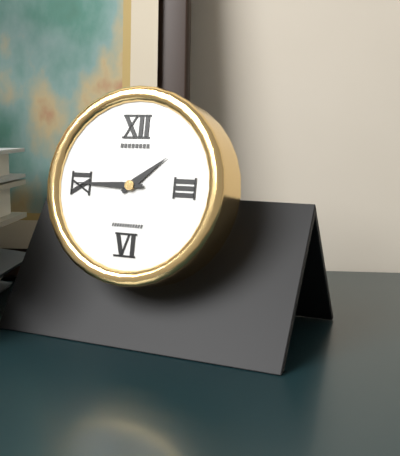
1,45
